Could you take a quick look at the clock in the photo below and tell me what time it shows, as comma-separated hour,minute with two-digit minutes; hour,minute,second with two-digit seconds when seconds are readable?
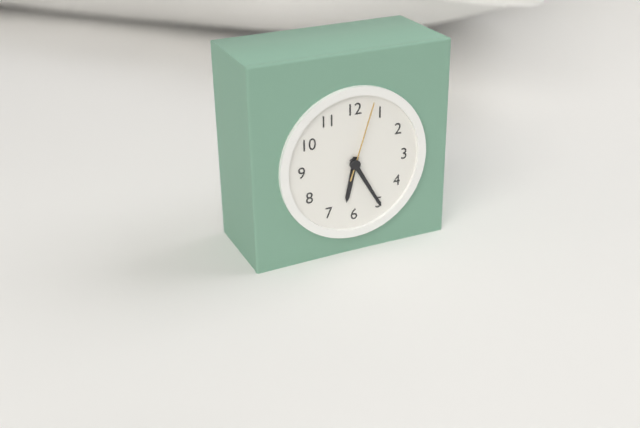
6,25,03
